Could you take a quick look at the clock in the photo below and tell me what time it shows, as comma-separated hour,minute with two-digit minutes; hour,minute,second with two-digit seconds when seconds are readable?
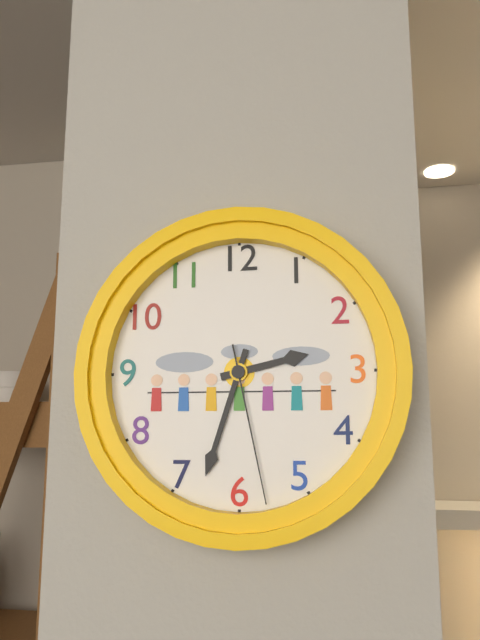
2,33,28
